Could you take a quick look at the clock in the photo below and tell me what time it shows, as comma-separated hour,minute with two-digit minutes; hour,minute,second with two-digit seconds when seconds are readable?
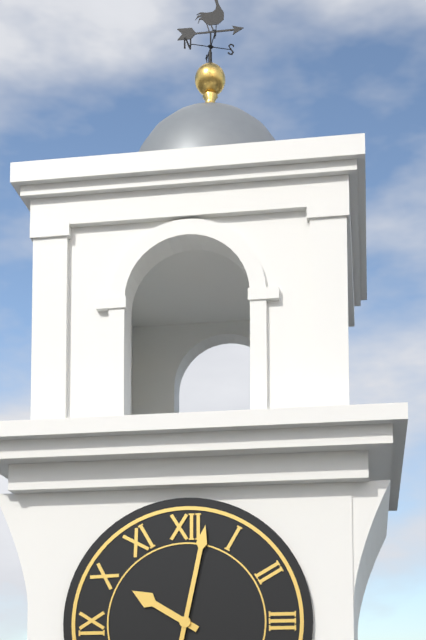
10,02
